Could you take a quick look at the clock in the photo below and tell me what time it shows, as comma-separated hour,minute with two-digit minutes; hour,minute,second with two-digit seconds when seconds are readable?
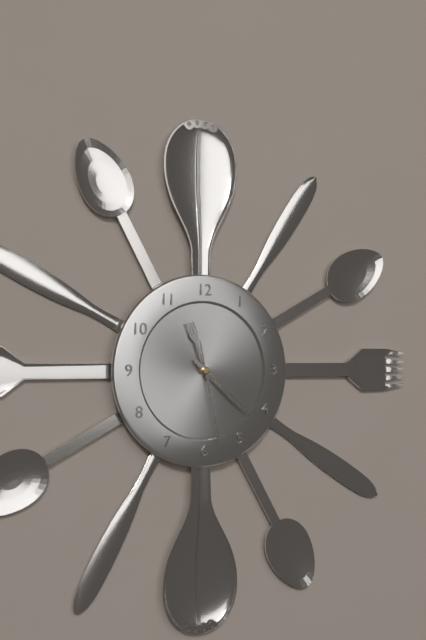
11,22,28
